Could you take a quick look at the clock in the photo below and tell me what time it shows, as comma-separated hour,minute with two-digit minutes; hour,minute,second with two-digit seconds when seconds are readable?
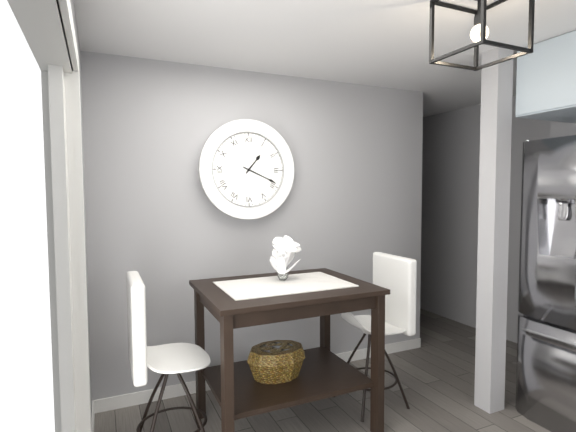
1,19
